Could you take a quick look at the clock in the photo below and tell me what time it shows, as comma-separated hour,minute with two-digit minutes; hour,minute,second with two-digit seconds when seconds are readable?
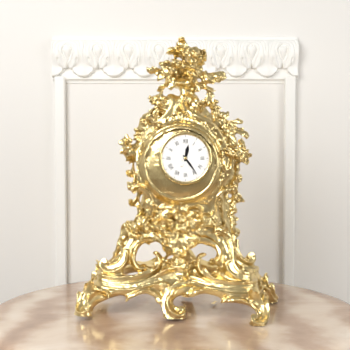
12,24
